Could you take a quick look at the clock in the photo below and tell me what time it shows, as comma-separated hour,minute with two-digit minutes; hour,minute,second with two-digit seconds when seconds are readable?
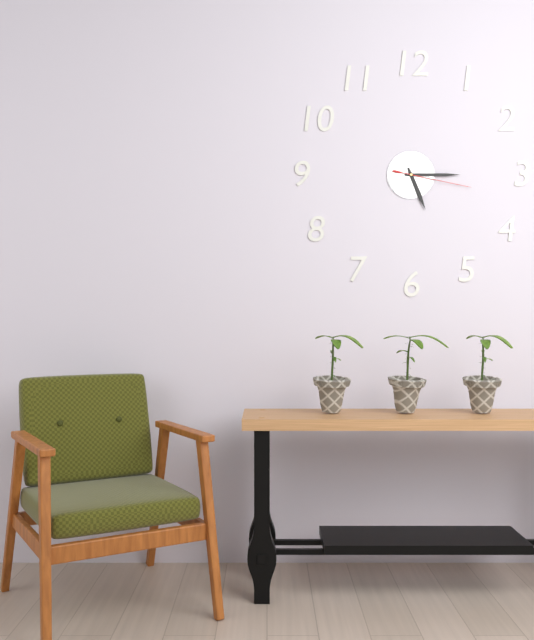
5,15,17
